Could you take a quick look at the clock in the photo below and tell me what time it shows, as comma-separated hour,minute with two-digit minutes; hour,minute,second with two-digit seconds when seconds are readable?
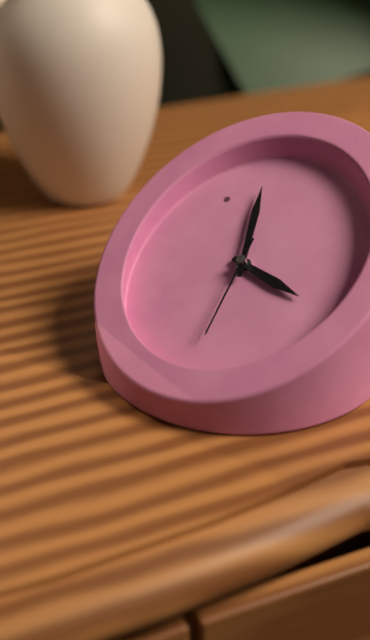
6,11,43
